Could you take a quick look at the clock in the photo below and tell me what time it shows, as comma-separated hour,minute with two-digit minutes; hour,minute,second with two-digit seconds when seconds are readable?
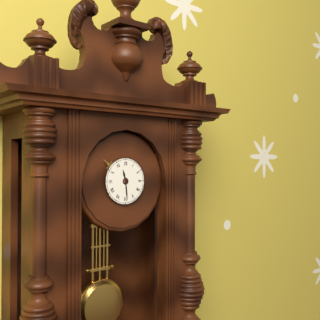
11,29
